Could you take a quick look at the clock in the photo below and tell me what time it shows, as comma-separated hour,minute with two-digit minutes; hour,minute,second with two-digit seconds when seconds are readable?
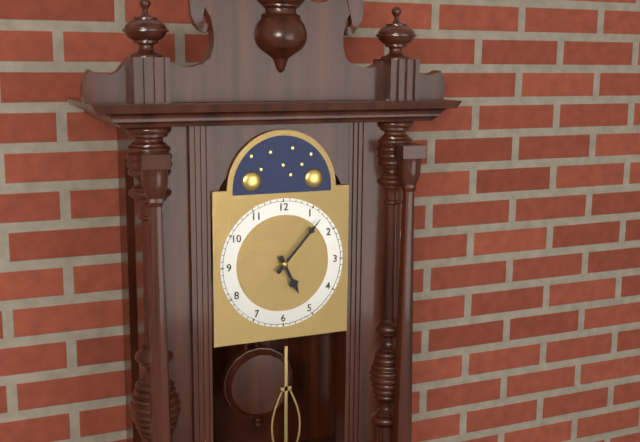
5,07
